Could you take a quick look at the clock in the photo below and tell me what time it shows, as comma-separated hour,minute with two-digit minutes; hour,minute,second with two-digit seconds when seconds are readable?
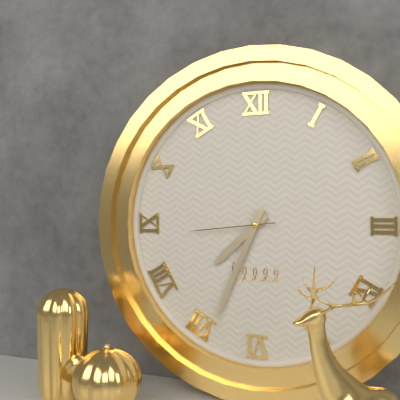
7,34,44
